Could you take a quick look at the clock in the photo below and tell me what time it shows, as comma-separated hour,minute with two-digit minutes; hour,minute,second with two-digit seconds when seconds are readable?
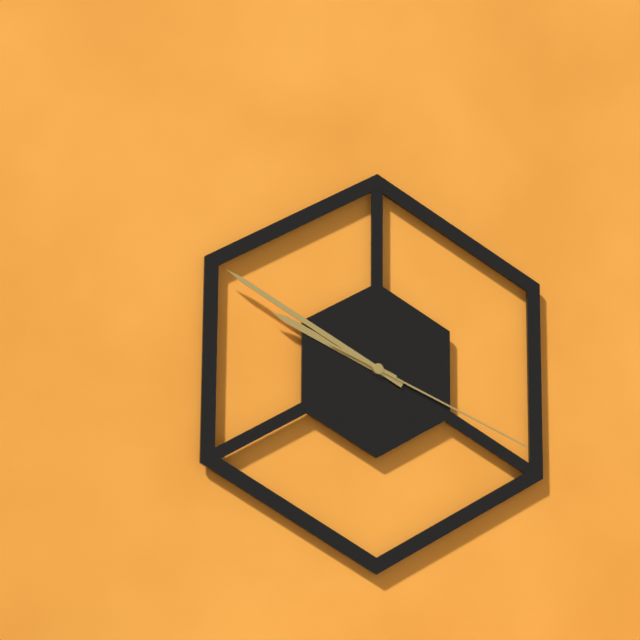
9,50,19
